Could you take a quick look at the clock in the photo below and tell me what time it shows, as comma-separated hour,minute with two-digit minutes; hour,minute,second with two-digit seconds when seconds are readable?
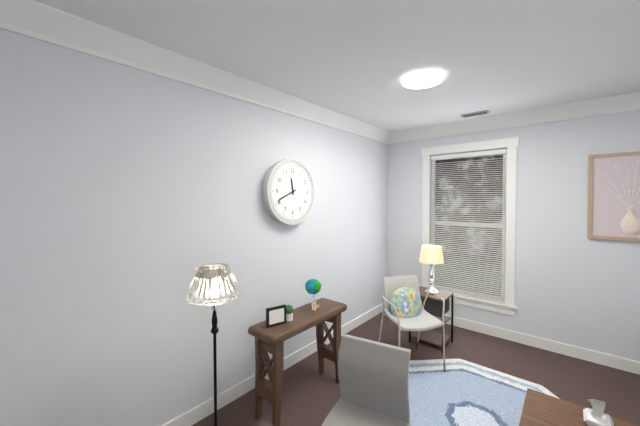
11,41
